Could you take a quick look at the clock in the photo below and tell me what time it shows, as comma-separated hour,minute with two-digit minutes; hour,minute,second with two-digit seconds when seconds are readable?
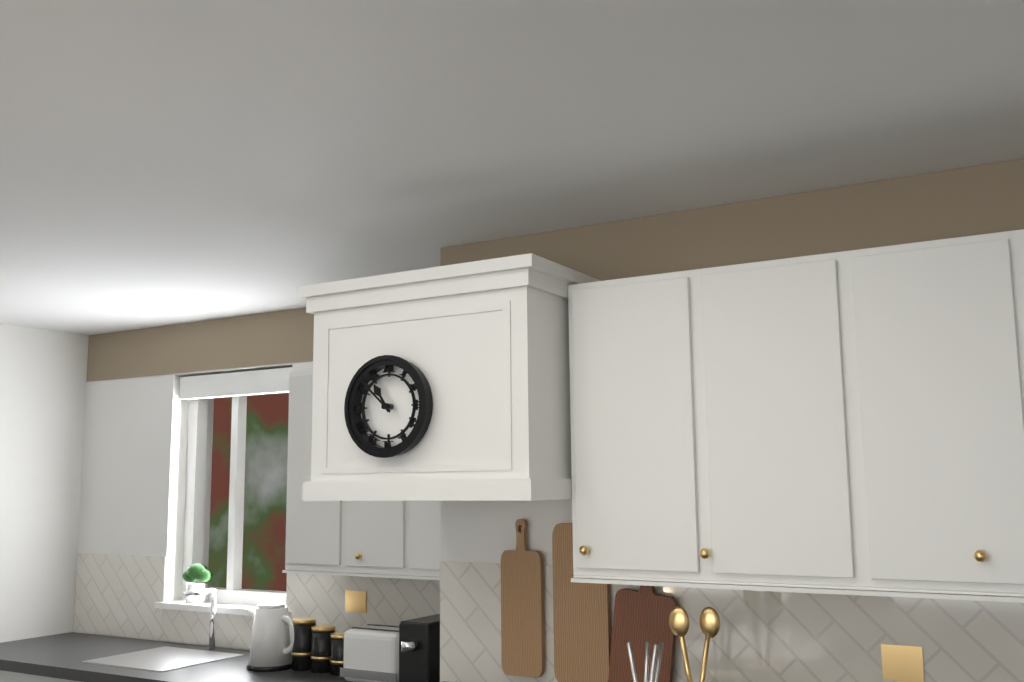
10,52
